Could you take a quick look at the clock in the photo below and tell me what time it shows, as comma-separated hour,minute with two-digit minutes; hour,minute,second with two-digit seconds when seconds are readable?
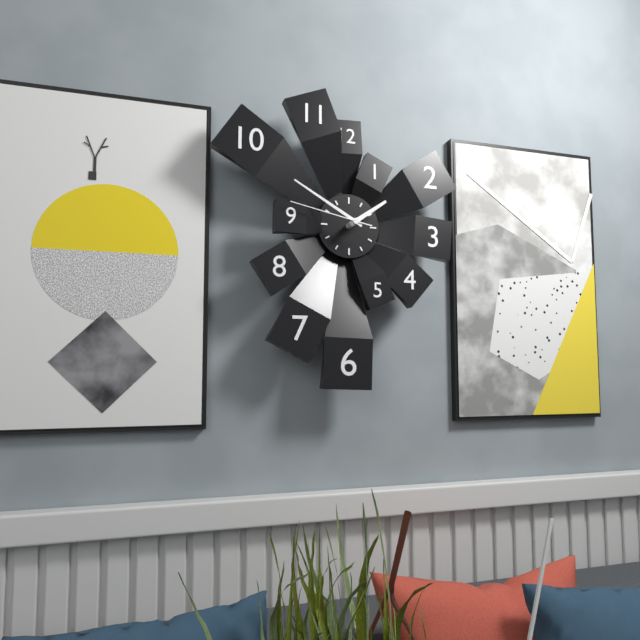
1,50,47
